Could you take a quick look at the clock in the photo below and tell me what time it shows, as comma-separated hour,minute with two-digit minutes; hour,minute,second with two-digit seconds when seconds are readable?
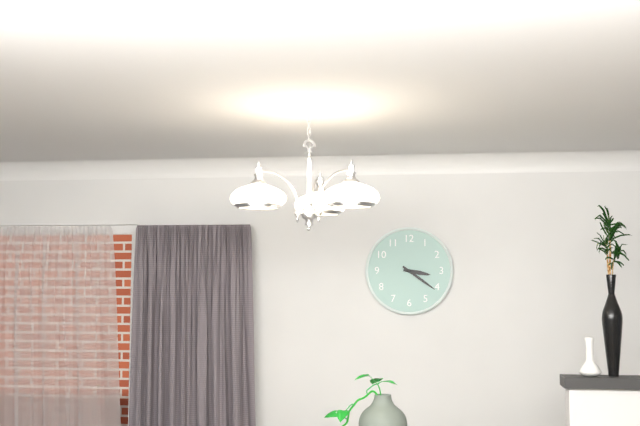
3,21
